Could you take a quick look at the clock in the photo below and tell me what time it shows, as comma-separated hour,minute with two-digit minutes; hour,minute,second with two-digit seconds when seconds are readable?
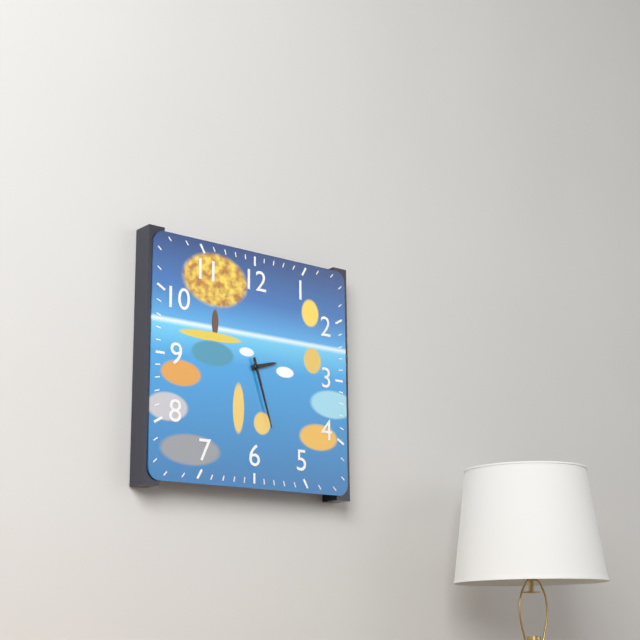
2,27
